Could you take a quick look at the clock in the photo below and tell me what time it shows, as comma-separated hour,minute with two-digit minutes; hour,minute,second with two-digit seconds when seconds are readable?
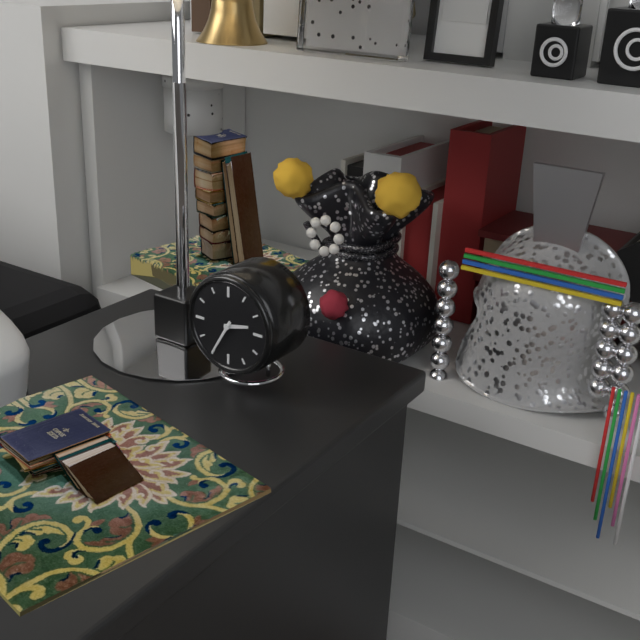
2,35
